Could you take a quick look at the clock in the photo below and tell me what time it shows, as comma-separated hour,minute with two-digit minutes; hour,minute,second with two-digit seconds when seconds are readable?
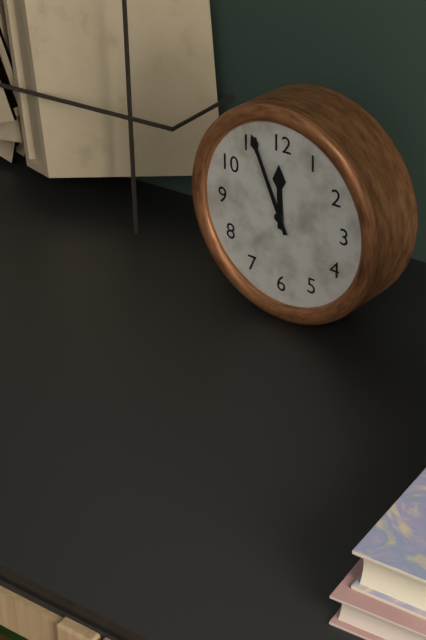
11,56
